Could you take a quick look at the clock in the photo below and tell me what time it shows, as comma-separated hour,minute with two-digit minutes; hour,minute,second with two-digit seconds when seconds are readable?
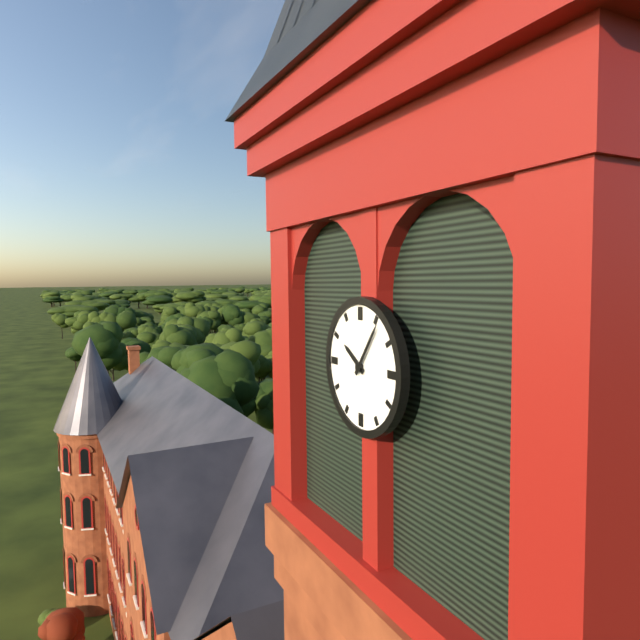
10,06
